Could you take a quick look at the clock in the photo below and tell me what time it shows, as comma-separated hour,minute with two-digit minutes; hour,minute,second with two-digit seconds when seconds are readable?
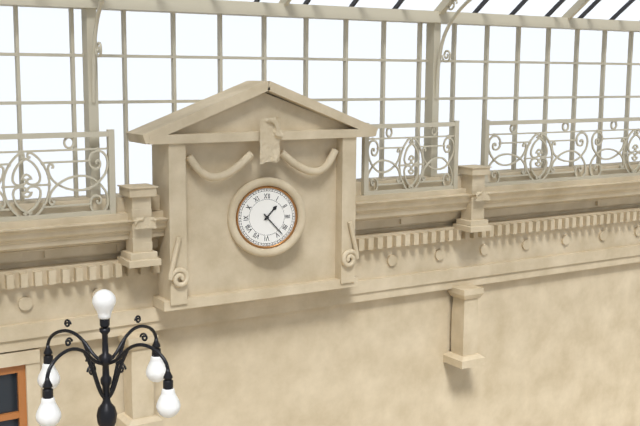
1,23
